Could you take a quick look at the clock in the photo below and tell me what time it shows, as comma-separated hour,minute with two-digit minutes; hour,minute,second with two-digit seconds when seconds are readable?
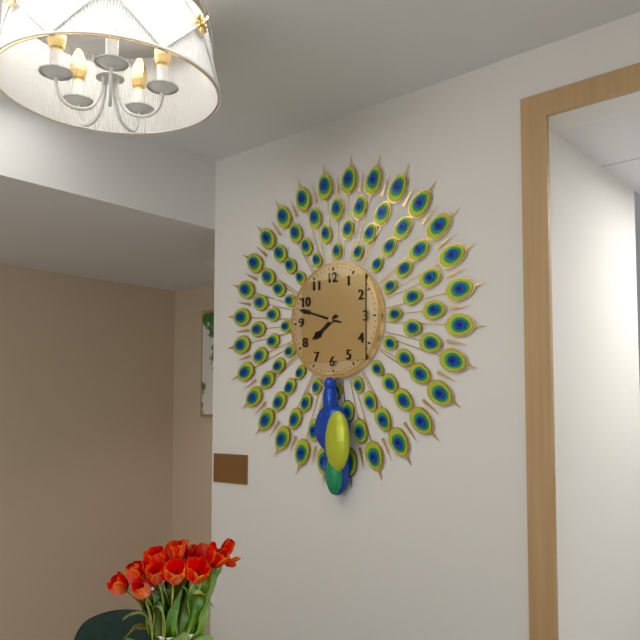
7,48
